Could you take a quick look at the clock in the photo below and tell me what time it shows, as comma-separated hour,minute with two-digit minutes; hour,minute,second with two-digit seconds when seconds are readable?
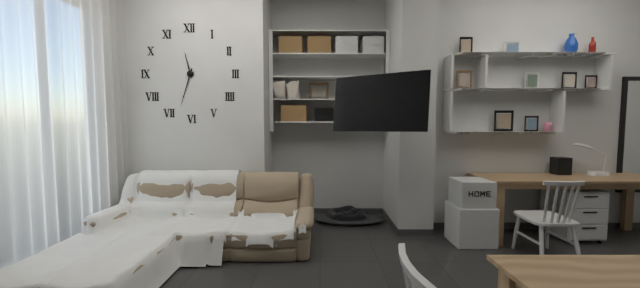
11,33
